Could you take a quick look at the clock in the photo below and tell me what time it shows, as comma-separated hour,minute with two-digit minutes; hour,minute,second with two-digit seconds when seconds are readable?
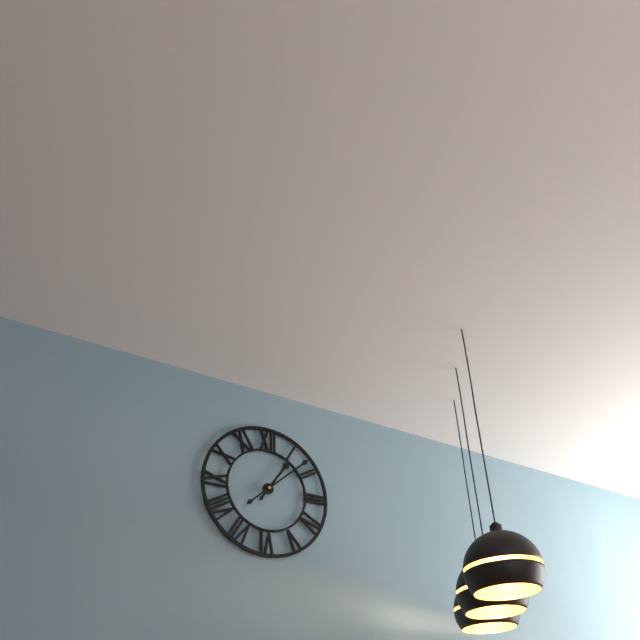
1,08
